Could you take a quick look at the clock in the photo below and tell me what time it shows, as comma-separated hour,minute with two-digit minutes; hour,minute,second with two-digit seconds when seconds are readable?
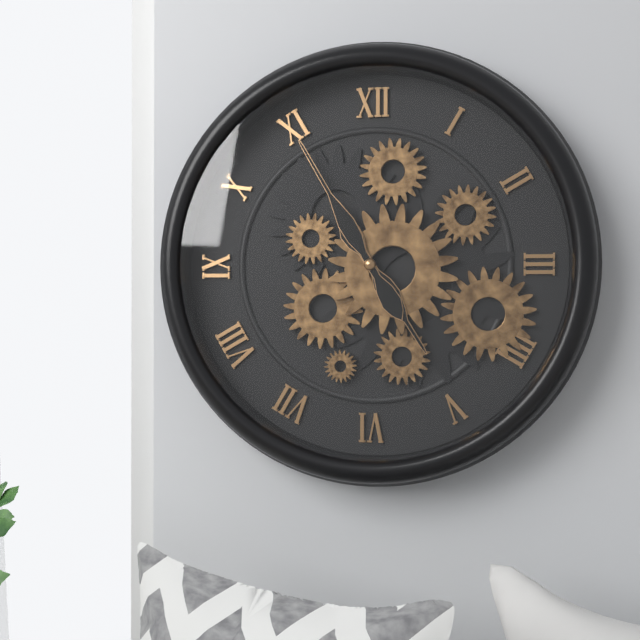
4,55
